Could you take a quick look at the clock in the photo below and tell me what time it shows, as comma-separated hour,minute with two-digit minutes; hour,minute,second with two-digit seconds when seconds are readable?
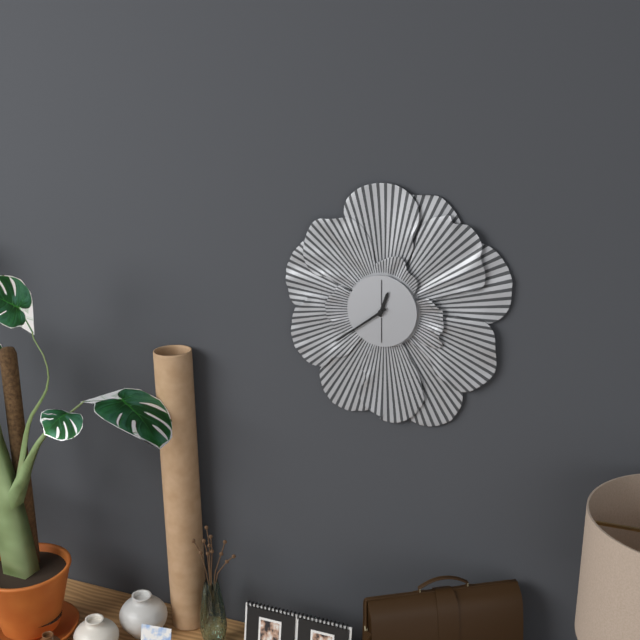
12,39
